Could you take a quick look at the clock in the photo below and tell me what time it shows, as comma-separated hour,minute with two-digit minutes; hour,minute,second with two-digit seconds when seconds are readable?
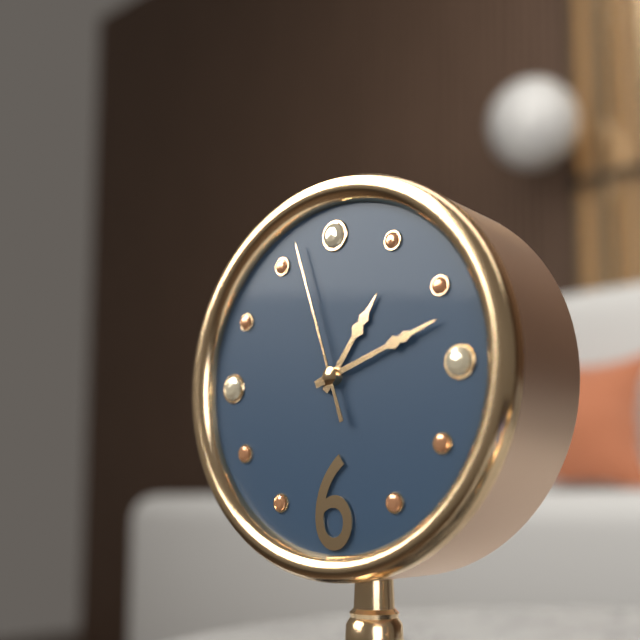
1,12,57
